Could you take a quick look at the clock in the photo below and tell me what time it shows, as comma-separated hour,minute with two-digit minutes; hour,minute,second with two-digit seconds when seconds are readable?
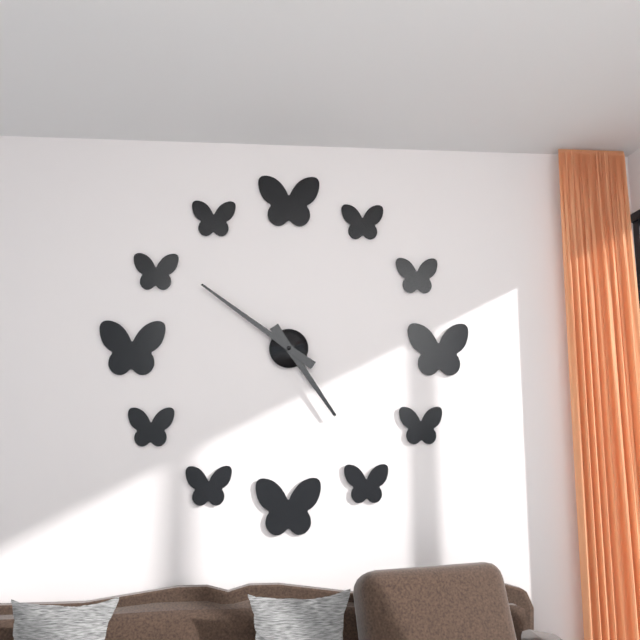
4,51
